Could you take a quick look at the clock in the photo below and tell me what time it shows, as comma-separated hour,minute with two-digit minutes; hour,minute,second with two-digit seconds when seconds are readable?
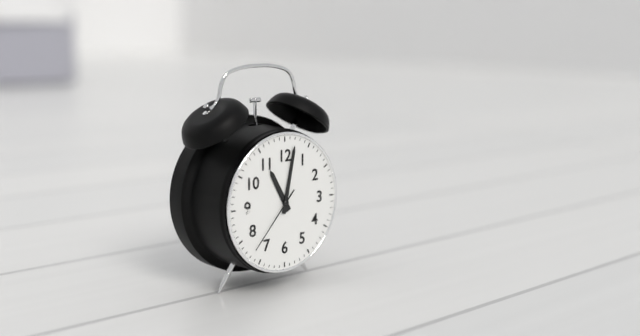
11,02,37
